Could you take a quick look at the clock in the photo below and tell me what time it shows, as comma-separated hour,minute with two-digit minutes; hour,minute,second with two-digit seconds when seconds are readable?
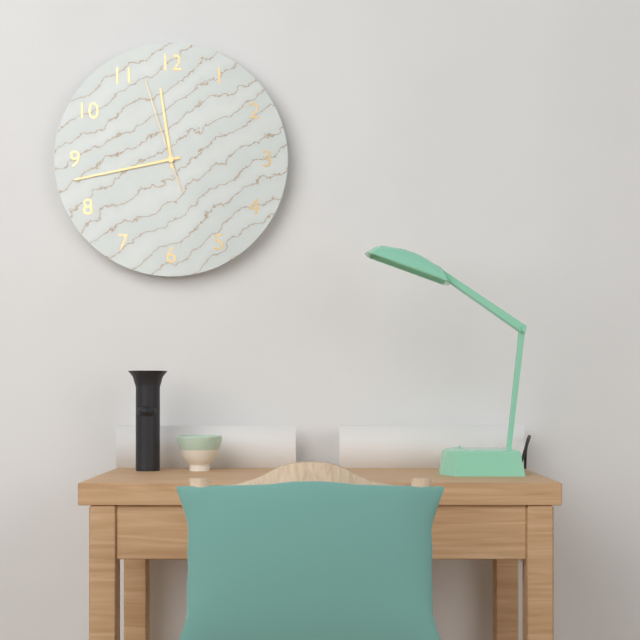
11,43,57
